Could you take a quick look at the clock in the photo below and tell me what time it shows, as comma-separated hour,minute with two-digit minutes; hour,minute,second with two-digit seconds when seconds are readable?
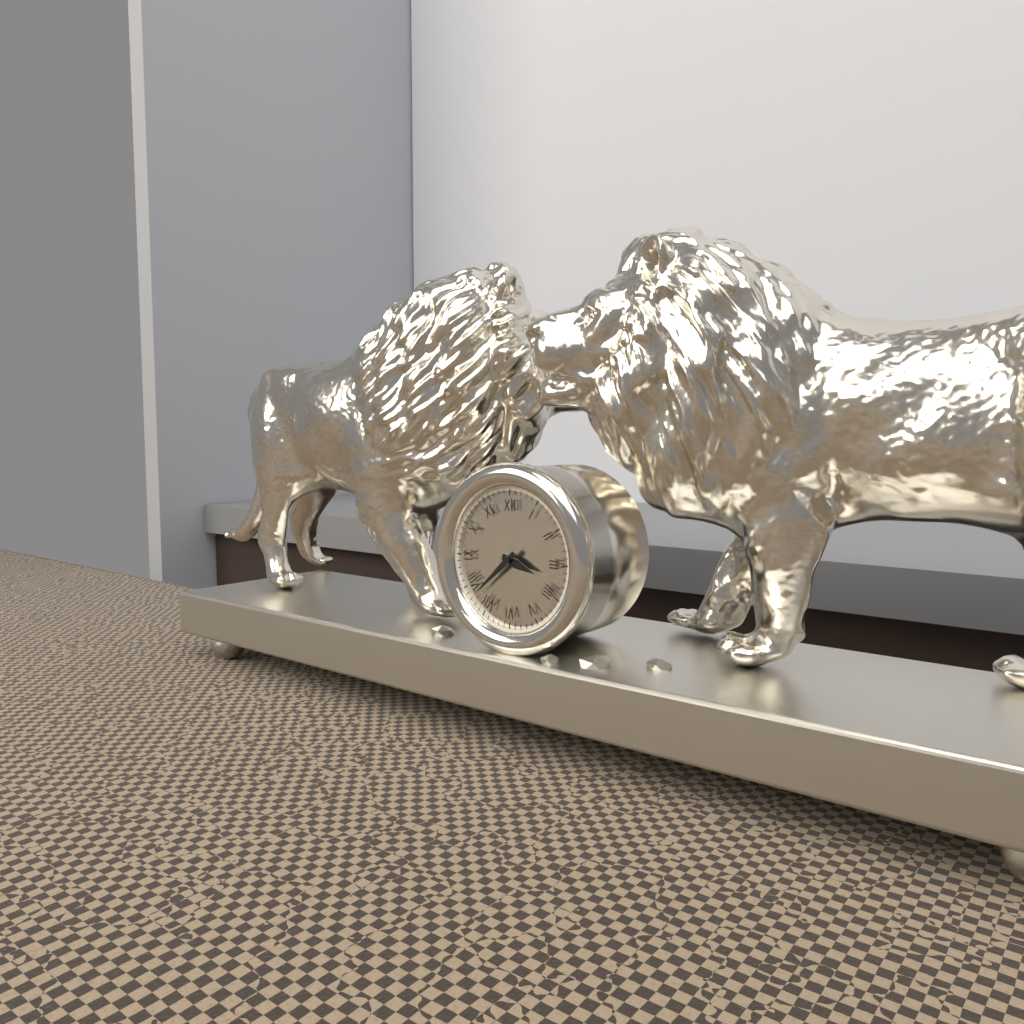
3,38
